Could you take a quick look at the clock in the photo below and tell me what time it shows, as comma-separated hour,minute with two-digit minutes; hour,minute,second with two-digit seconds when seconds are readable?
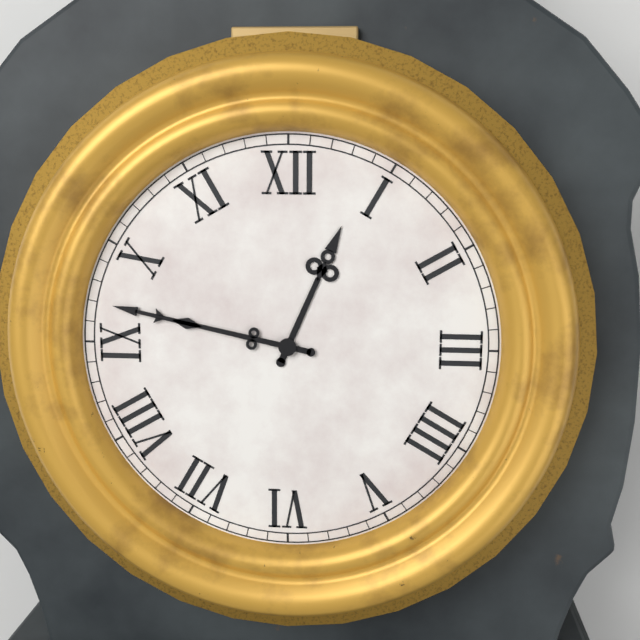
12,47
